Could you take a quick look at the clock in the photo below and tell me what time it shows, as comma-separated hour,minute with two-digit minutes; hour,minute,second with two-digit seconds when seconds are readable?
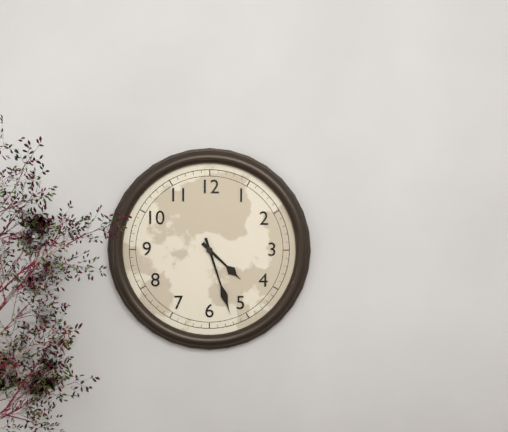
4,27
